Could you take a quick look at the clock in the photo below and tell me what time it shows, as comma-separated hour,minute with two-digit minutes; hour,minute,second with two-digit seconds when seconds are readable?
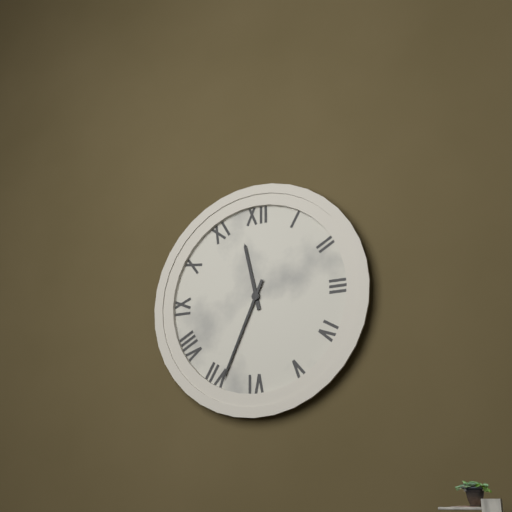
11,34
